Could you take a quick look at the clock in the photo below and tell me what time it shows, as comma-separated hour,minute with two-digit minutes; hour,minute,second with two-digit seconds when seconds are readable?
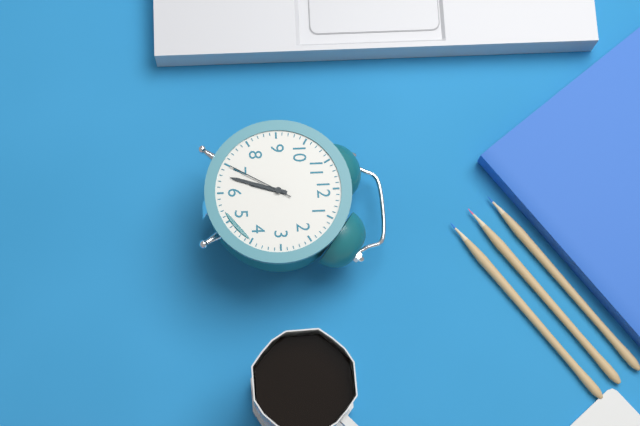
6,33,35
